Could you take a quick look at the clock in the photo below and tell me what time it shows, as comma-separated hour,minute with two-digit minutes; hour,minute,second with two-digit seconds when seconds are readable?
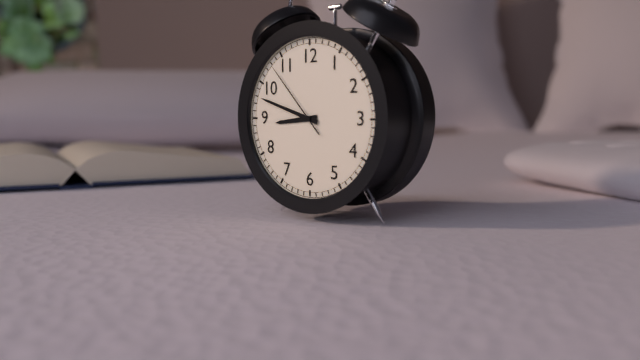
8,48,53
